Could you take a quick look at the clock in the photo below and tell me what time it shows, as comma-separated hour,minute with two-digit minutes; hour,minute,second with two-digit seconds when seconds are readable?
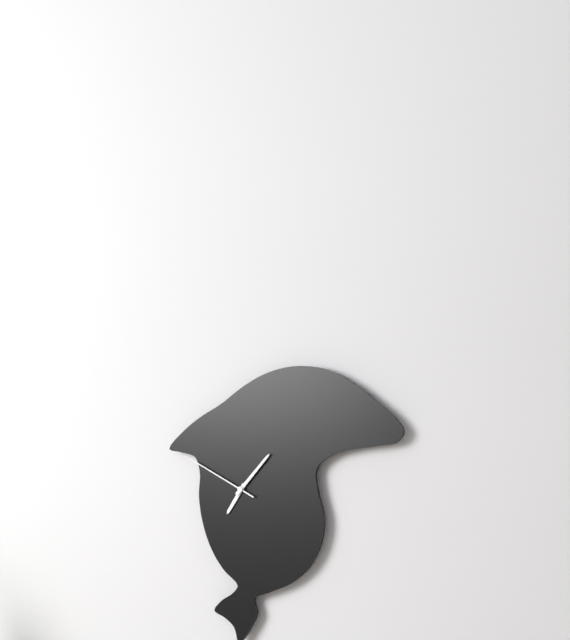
7,07,49
